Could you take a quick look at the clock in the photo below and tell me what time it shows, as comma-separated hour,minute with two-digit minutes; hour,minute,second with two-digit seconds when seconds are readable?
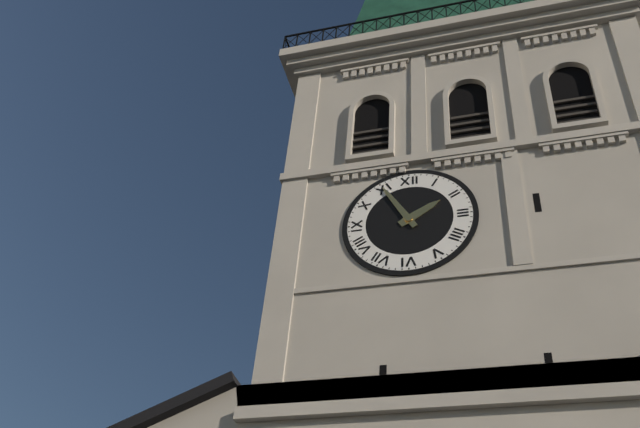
1,55
